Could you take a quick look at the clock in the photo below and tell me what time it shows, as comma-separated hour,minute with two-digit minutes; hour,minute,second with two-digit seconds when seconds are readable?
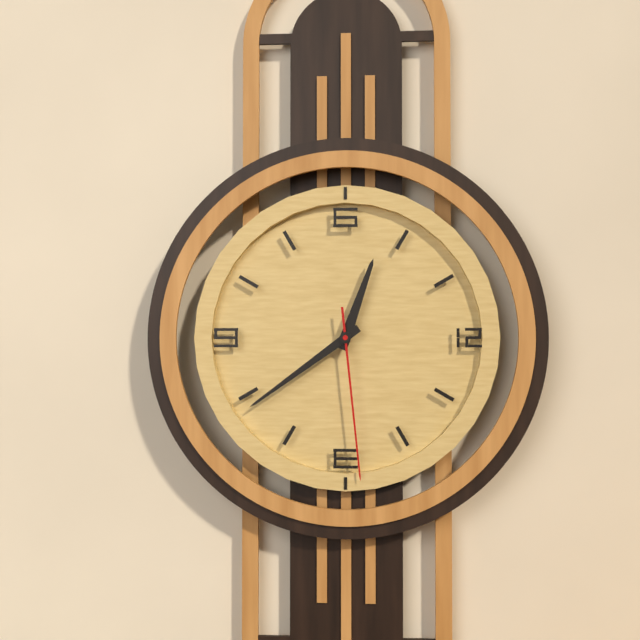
12,39,29
